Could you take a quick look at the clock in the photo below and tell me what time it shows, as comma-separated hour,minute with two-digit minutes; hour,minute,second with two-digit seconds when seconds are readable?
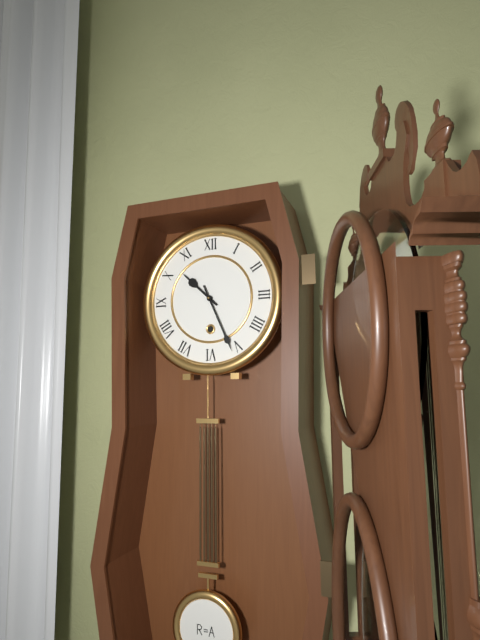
10,26
